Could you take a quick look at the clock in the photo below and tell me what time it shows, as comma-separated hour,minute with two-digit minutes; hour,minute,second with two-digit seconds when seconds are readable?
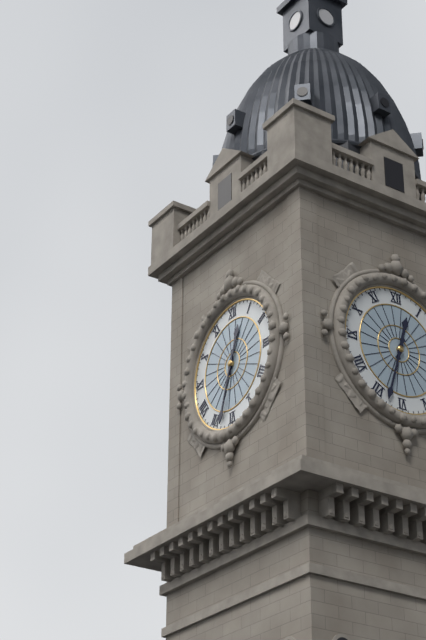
12,33
